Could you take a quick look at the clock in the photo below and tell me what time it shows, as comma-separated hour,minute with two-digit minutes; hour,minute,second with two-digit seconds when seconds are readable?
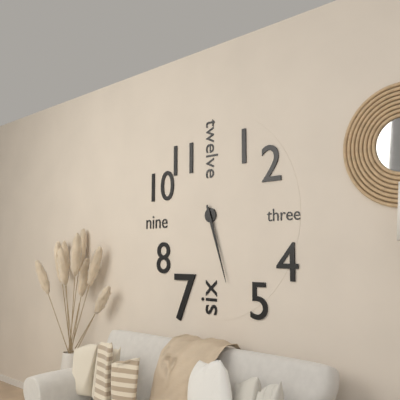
5,27
